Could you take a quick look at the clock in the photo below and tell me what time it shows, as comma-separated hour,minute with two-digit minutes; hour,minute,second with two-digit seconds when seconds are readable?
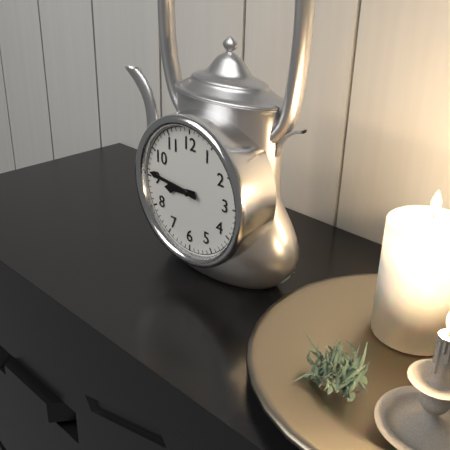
8,46
